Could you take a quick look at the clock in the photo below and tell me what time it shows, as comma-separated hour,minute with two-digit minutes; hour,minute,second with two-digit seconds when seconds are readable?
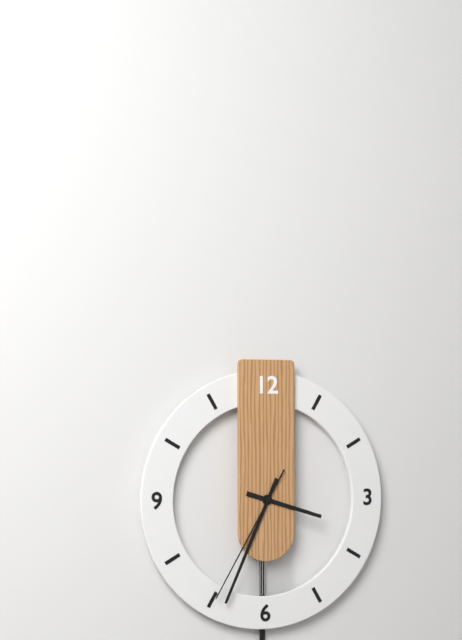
3,34,35
